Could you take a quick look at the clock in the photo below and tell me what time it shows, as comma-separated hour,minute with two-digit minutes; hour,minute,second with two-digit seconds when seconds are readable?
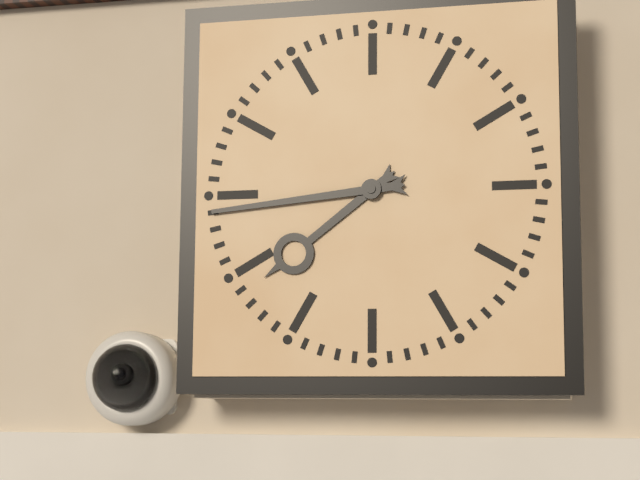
7,44
